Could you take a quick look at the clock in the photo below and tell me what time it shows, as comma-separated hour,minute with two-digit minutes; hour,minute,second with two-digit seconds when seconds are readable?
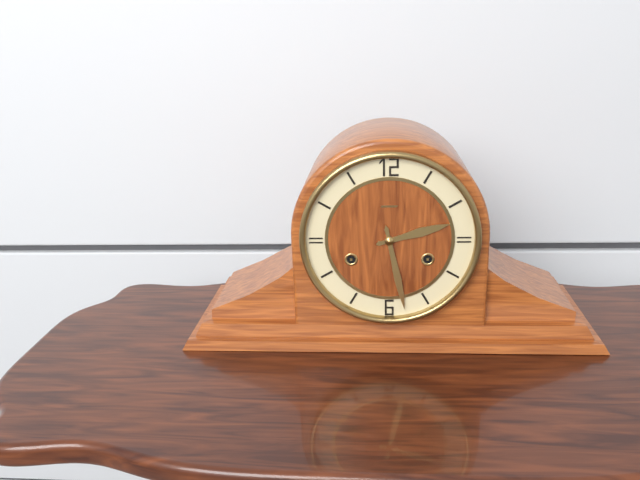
2,28
